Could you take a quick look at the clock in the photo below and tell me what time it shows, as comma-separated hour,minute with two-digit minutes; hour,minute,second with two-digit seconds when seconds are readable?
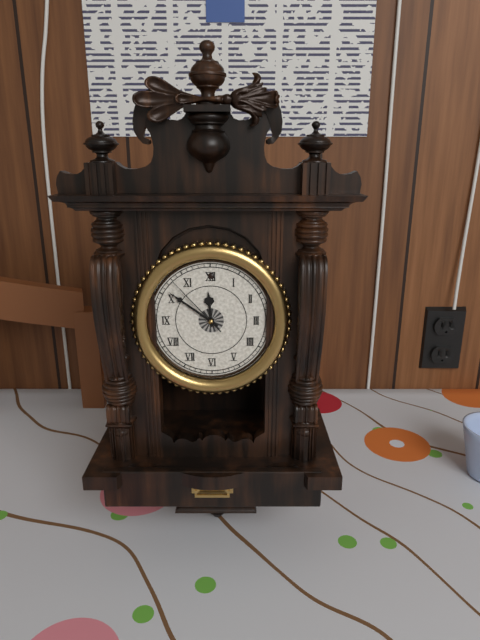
11,51,53
